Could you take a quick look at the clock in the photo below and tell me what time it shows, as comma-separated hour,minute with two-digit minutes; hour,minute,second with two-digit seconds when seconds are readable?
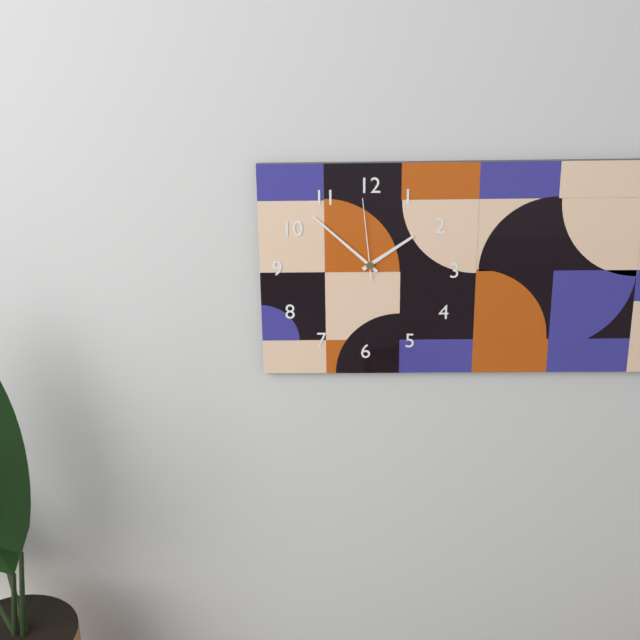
1,52,59
